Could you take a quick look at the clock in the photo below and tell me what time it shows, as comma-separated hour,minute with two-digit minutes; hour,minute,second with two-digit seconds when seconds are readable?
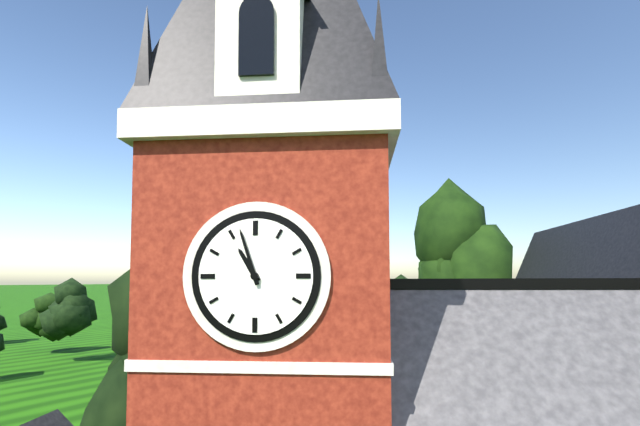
10,57
